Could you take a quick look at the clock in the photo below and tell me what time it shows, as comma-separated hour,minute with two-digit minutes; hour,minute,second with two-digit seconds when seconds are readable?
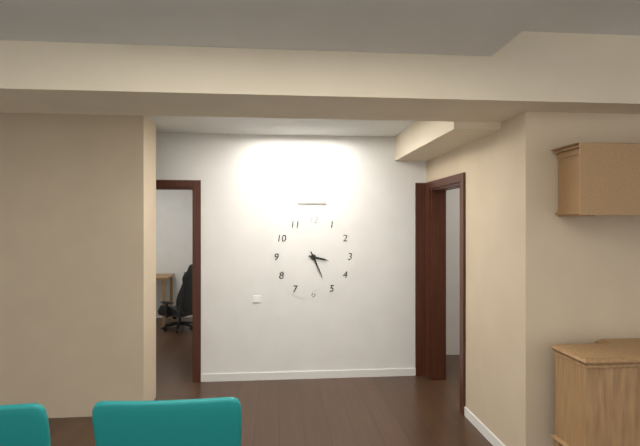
3,26
